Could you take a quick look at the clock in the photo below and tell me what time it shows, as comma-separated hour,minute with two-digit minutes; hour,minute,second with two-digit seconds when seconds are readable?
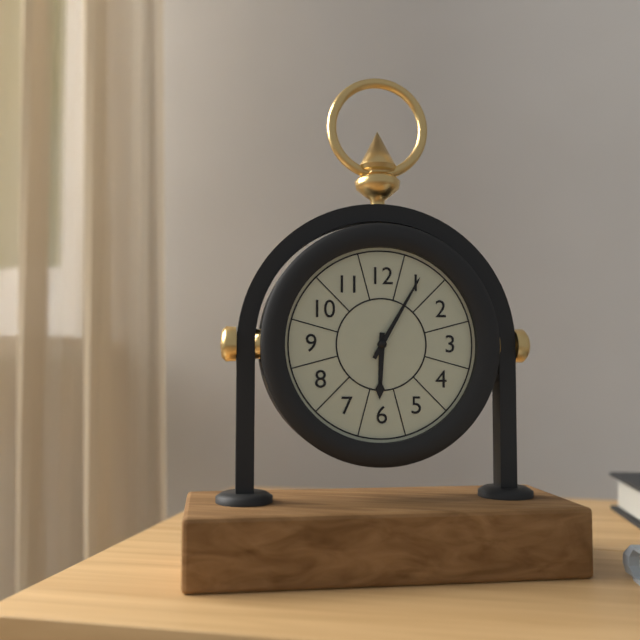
6,05
